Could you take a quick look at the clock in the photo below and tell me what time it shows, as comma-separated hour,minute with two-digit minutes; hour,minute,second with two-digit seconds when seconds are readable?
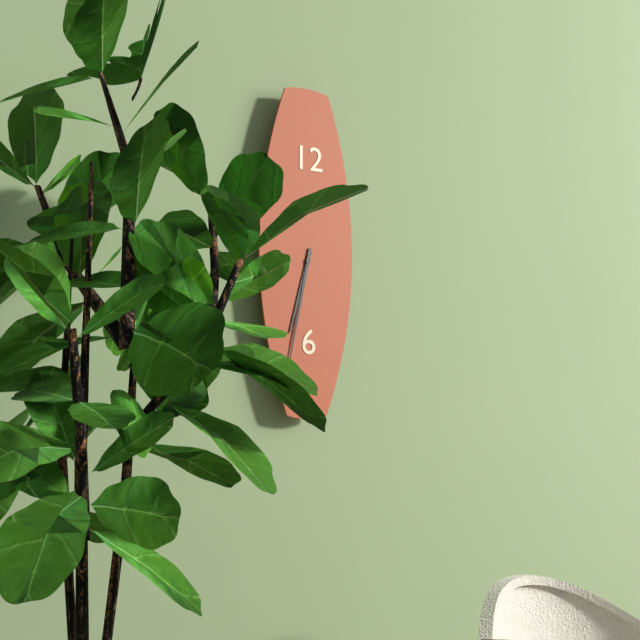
6,32
